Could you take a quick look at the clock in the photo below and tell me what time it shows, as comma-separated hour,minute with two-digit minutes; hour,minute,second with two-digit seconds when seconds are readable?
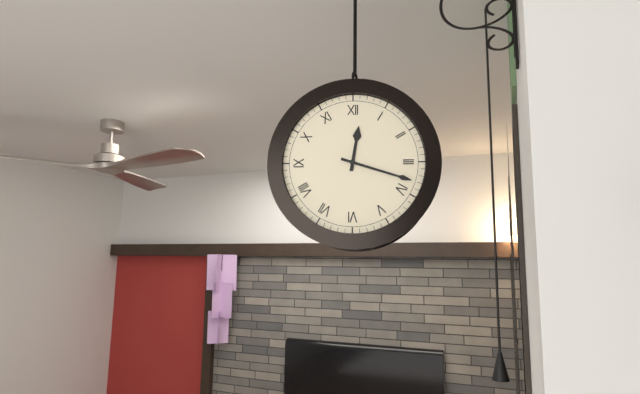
12,18
